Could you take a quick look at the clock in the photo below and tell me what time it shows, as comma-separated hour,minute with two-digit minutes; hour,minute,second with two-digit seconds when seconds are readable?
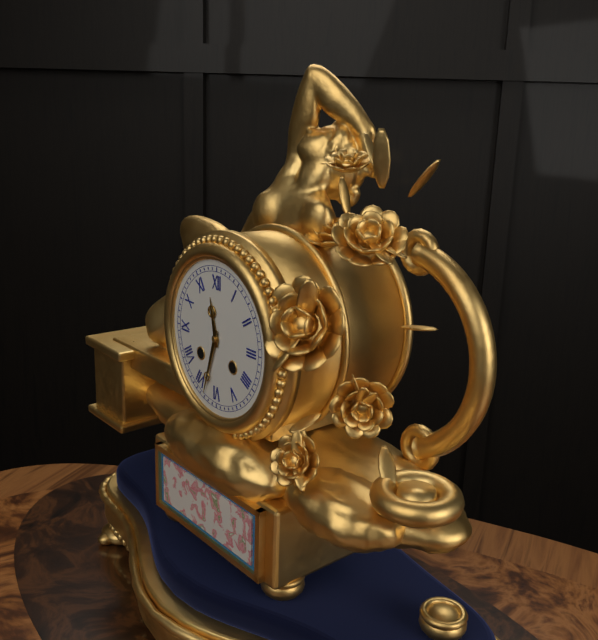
11,33
